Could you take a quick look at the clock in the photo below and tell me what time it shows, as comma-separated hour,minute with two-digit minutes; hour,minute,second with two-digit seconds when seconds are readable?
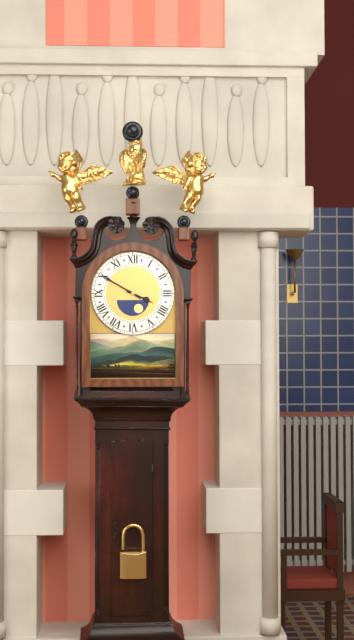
3,50
